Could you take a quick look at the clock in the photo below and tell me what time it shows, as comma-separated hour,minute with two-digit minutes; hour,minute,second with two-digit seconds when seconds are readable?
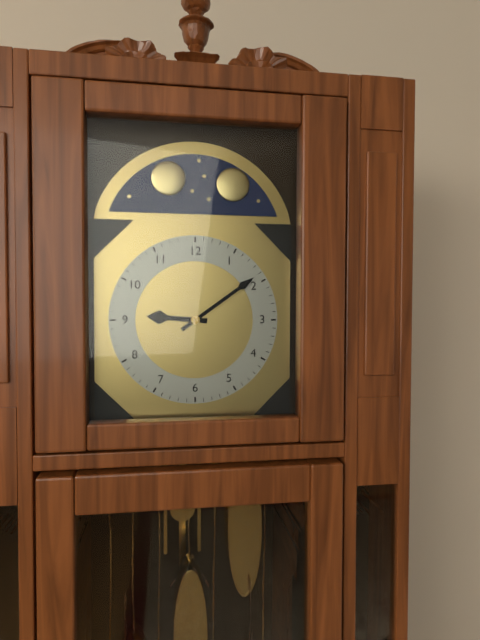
9,09
